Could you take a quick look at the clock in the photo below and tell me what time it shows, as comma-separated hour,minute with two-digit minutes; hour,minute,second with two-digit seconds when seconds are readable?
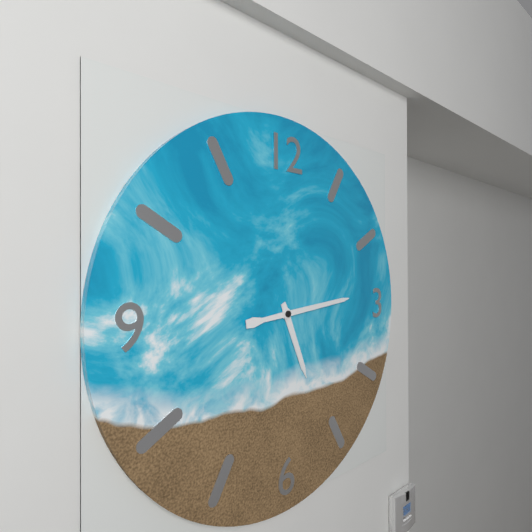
5,14
